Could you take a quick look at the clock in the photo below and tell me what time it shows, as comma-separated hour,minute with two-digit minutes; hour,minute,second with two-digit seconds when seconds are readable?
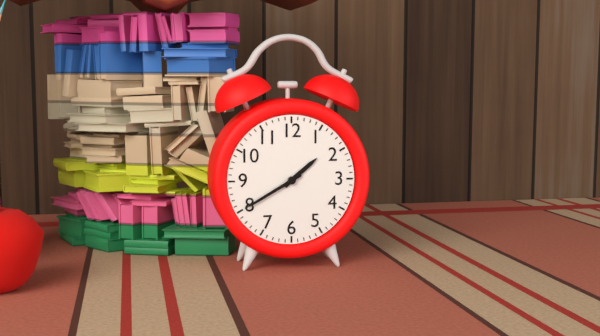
1,40
